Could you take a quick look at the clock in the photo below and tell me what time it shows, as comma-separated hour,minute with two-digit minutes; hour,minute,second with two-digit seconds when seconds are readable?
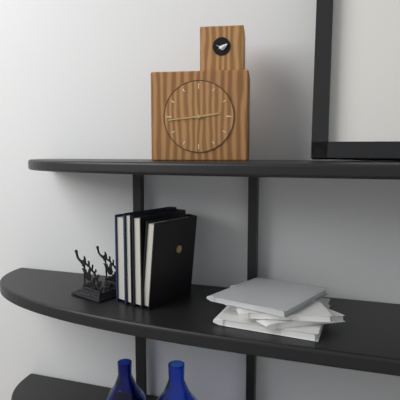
2,44
